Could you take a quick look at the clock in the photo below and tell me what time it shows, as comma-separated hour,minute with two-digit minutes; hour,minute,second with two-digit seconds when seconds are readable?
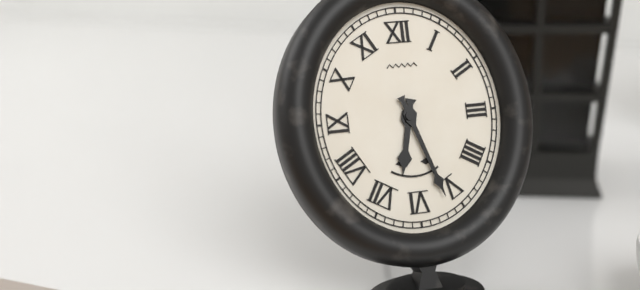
6,27
